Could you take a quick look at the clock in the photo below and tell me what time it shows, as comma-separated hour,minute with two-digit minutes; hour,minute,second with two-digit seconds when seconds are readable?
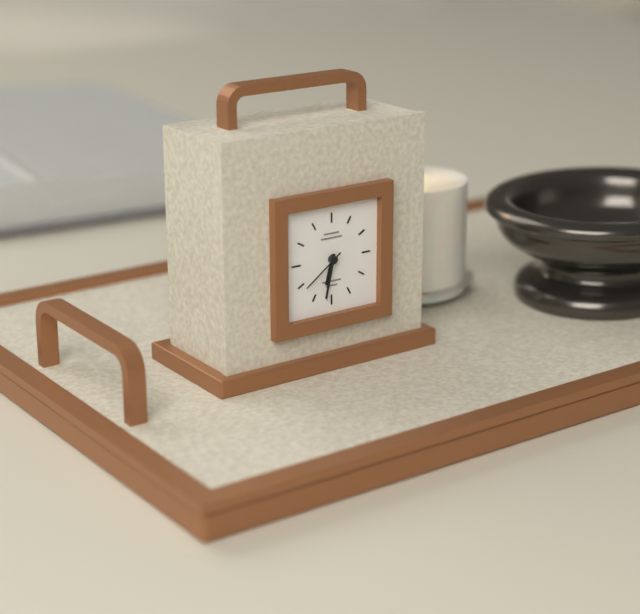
6,32
